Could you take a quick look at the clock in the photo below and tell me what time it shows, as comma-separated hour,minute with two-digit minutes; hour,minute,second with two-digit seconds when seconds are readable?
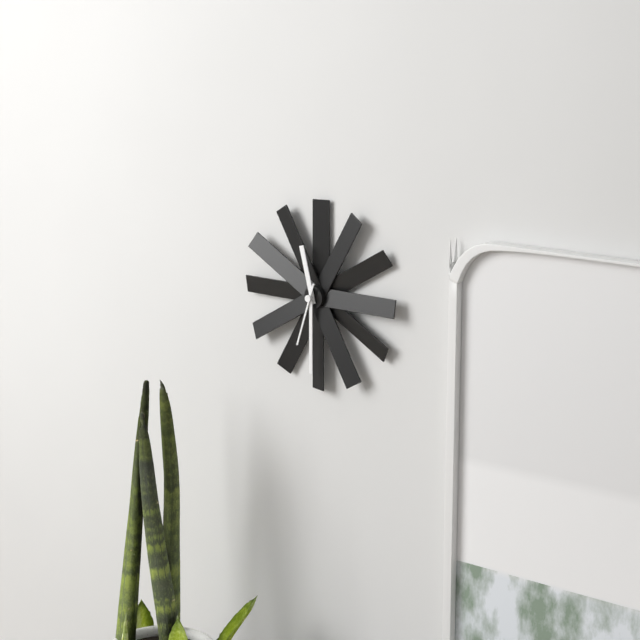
11,30,33
